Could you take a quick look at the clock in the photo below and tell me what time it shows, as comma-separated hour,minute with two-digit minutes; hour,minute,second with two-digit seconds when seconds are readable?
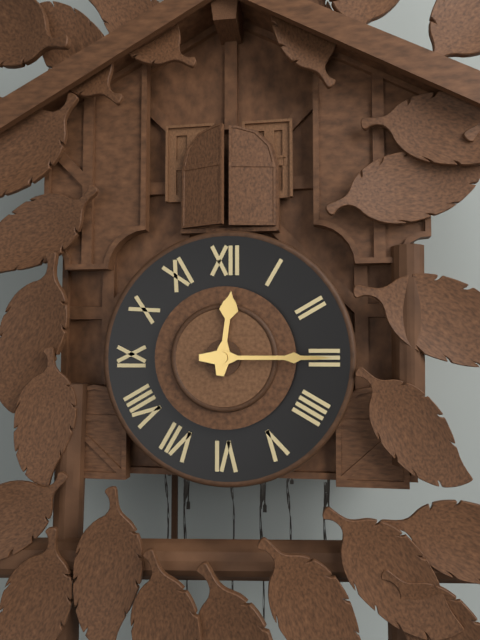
12,15
